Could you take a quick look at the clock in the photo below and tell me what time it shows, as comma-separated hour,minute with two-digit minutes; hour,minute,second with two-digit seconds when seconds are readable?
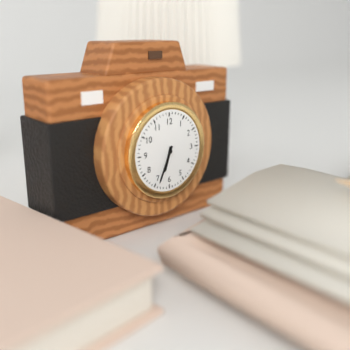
6,34
